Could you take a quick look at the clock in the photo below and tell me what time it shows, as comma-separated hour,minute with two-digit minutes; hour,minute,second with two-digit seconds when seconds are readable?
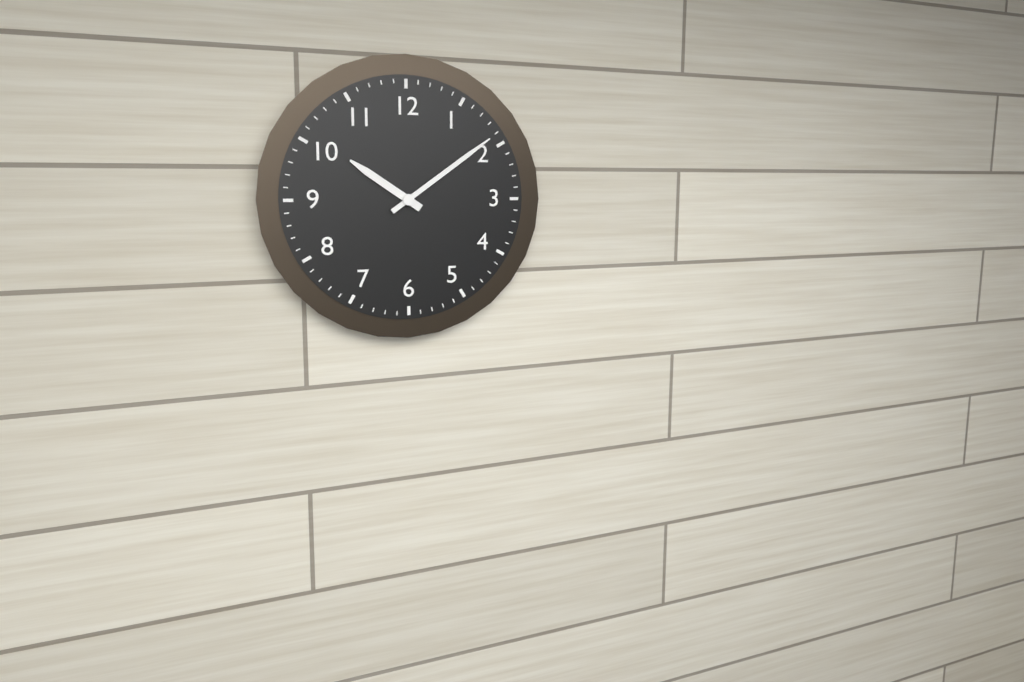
10,09
